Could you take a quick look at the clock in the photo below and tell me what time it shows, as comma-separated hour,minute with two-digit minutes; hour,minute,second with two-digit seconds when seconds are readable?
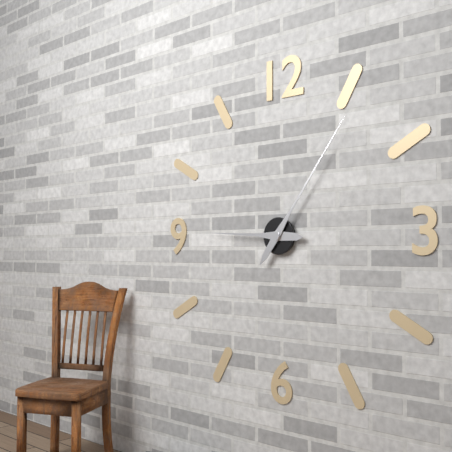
9,06
